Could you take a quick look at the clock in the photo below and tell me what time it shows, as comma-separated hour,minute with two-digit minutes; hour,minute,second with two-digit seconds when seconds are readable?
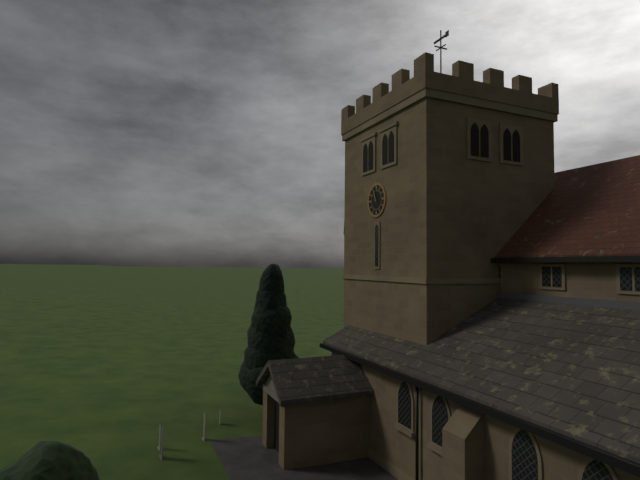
10,56
